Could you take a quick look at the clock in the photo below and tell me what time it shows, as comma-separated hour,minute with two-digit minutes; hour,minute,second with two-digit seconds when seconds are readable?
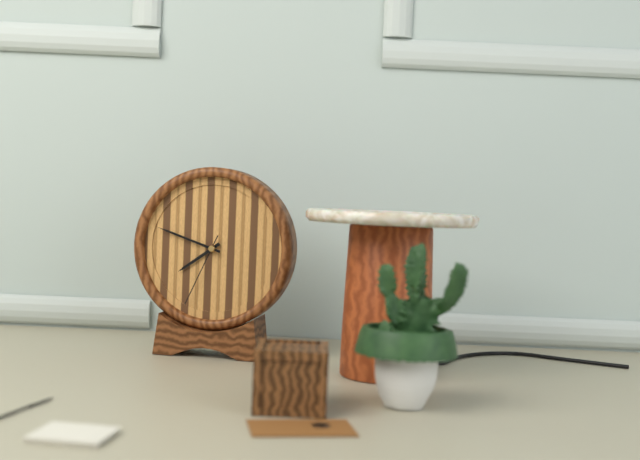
7,48,34
